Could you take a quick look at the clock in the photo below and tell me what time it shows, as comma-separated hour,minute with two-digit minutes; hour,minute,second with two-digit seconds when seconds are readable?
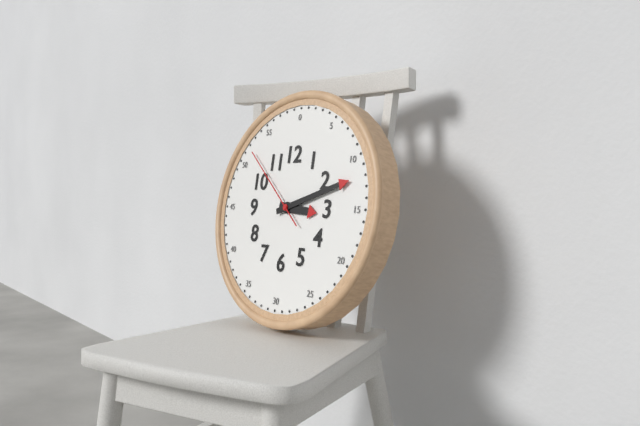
3,12,52
